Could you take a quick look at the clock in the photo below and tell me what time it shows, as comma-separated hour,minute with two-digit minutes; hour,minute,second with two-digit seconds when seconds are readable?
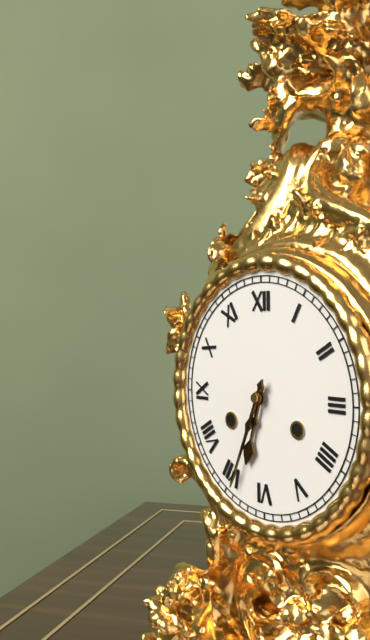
6,34
